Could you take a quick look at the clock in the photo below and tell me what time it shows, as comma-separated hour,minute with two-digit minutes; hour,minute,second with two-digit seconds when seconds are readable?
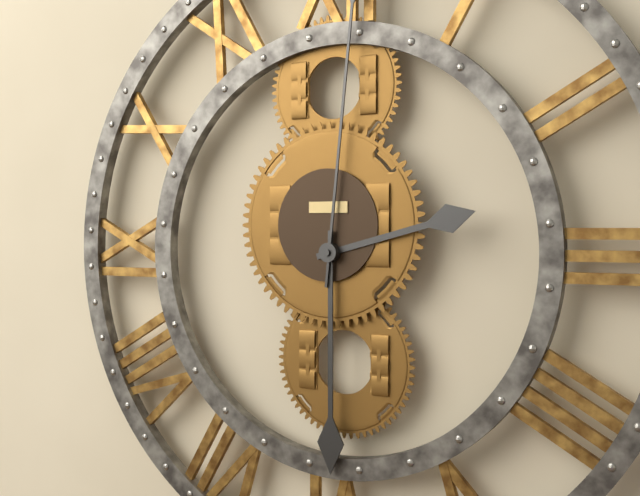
2,30
